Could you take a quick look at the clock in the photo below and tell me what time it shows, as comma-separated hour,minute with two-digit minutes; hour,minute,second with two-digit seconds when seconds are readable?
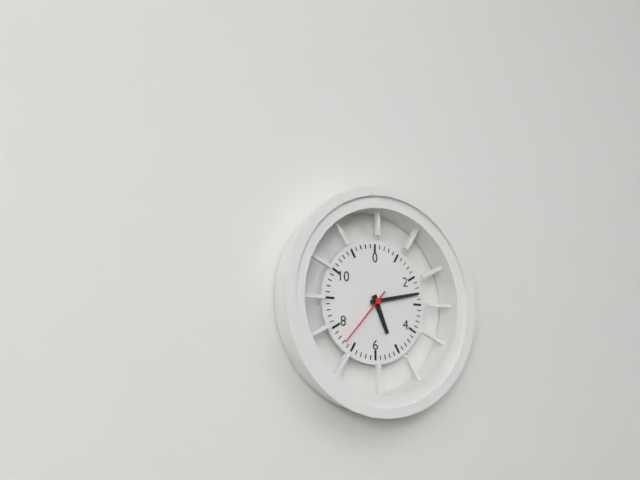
5,13,37
